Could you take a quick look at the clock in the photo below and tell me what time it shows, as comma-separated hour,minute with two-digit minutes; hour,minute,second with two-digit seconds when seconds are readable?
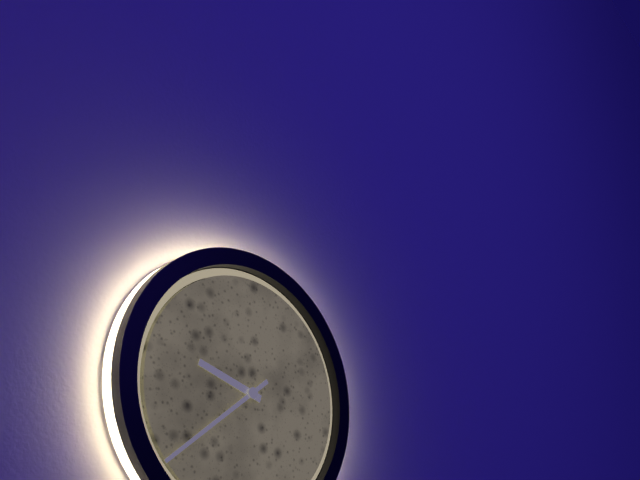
9,39
